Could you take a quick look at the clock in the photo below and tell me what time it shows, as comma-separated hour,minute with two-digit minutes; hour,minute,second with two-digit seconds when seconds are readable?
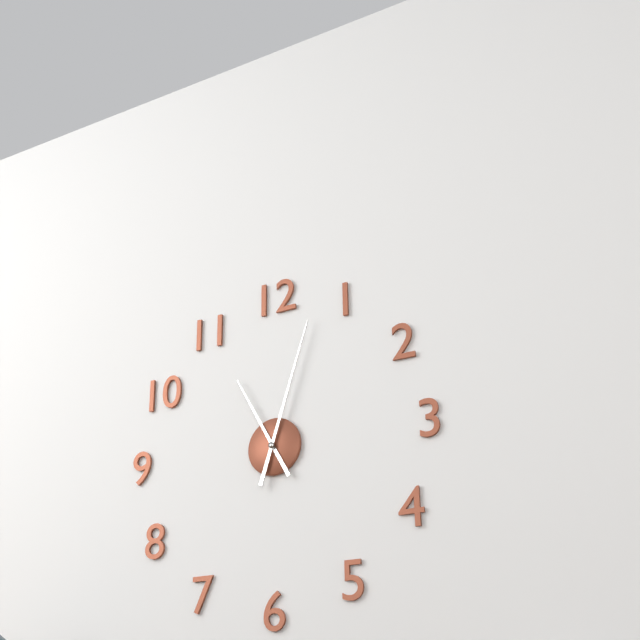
11,03
